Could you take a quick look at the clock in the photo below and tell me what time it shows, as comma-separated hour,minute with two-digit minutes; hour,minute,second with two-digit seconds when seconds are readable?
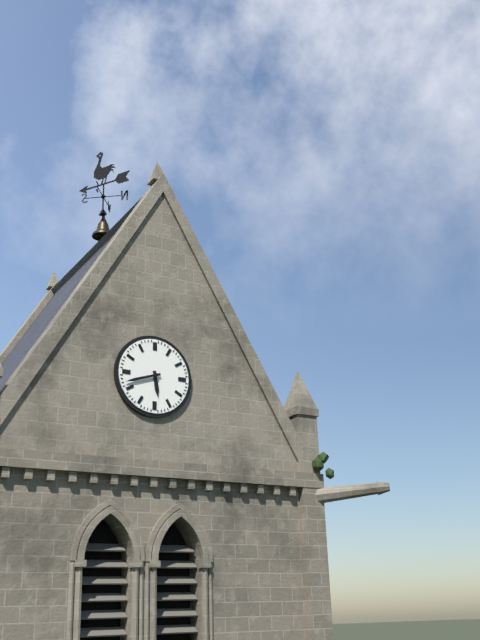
5,42
